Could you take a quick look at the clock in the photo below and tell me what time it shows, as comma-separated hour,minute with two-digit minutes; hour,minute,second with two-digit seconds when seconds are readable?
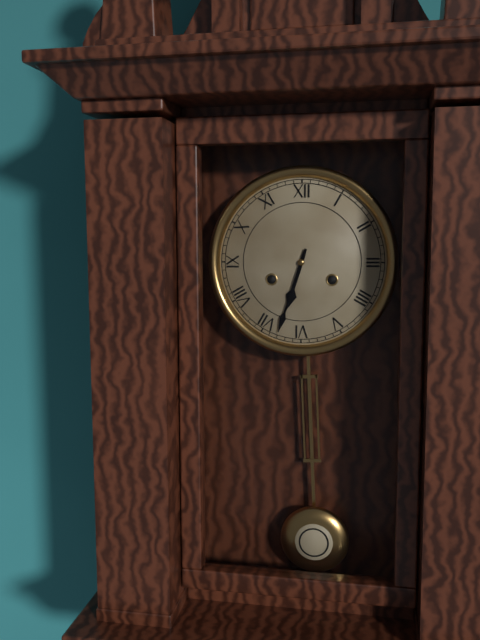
6,33
